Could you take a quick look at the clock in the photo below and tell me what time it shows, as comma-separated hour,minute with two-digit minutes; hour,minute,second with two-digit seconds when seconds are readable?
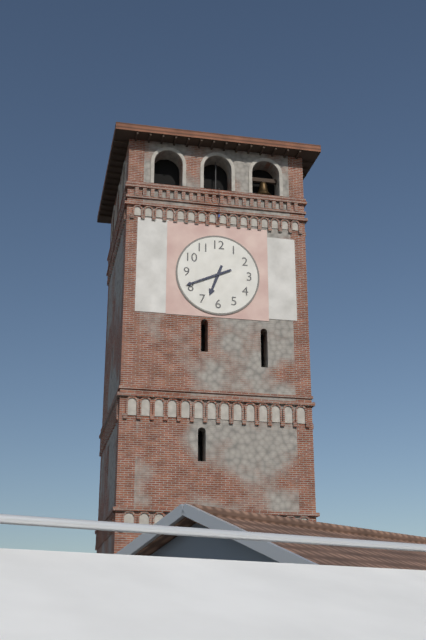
6,41
